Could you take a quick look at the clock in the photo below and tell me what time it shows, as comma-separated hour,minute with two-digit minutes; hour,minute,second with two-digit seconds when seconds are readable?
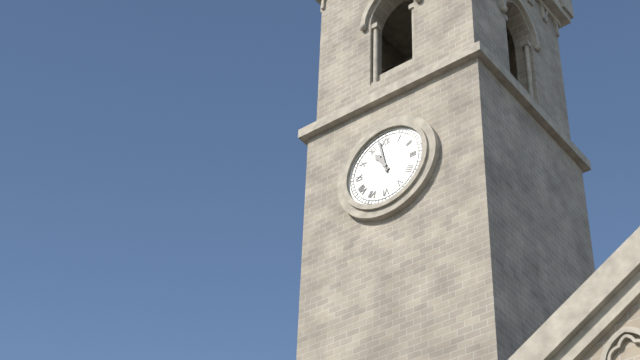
10,58
